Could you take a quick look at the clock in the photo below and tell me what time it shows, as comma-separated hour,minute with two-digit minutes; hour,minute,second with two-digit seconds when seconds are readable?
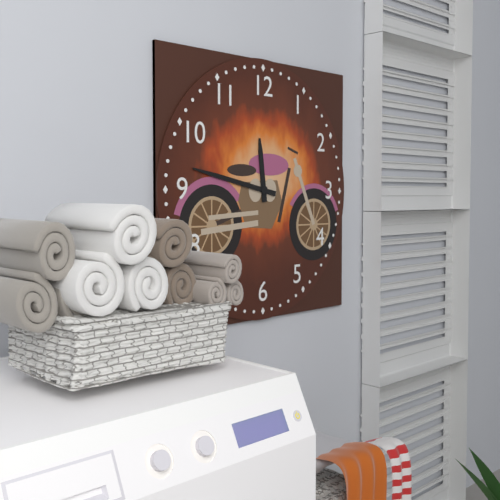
11,47
